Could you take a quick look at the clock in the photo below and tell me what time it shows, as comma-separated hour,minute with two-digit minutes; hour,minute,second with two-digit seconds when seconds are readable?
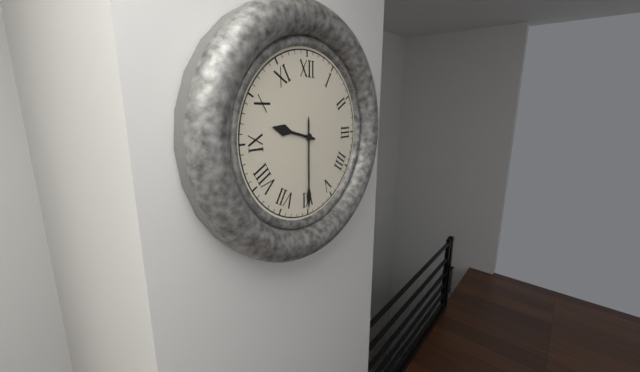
9,30
